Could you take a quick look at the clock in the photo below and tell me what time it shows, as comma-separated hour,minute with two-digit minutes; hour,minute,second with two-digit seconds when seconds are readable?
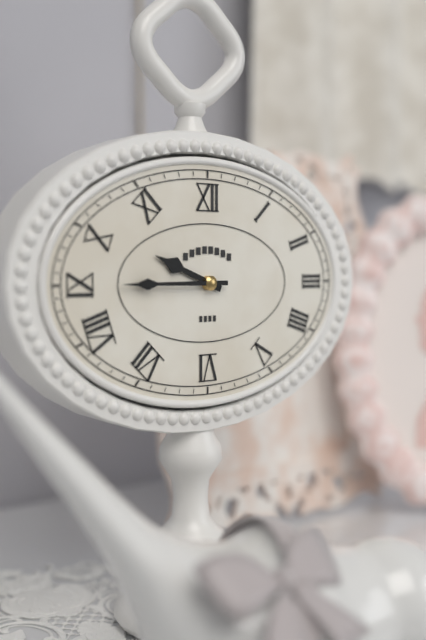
9,45
